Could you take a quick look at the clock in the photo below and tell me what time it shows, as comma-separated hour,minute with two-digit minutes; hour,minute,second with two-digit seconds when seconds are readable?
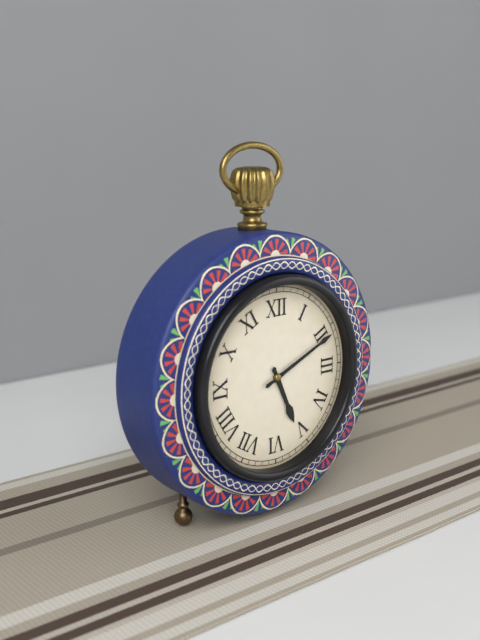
5,11
